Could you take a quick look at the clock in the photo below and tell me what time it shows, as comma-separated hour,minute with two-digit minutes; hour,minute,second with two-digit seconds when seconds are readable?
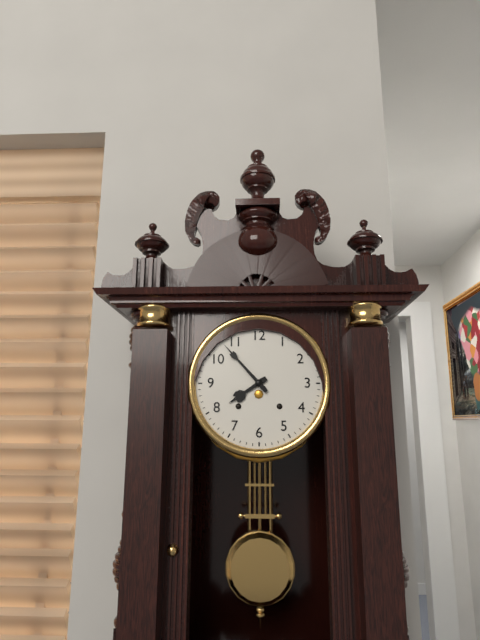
7,53
